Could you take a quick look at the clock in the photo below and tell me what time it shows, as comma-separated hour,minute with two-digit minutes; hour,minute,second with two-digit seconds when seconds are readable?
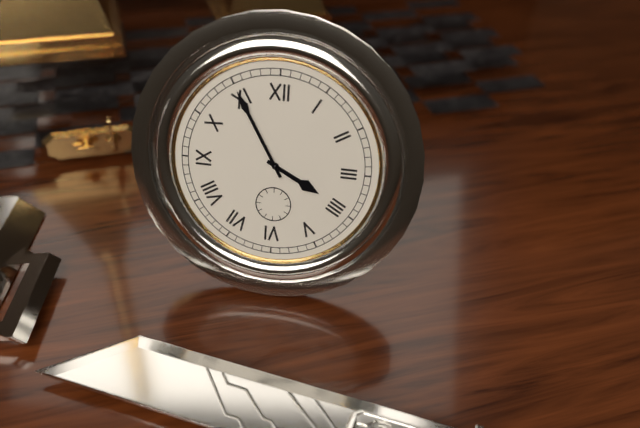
3,55
